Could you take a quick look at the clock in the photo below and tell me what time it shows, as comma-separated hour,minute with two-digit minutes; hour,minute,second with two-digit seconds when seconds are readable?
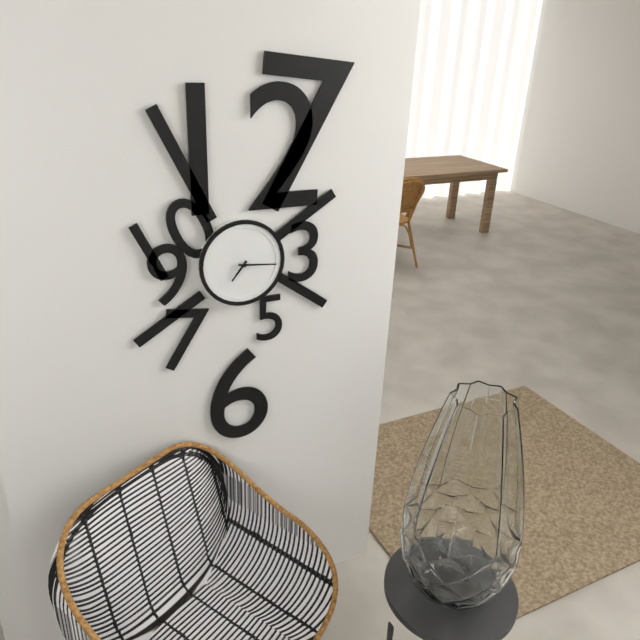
7,16
